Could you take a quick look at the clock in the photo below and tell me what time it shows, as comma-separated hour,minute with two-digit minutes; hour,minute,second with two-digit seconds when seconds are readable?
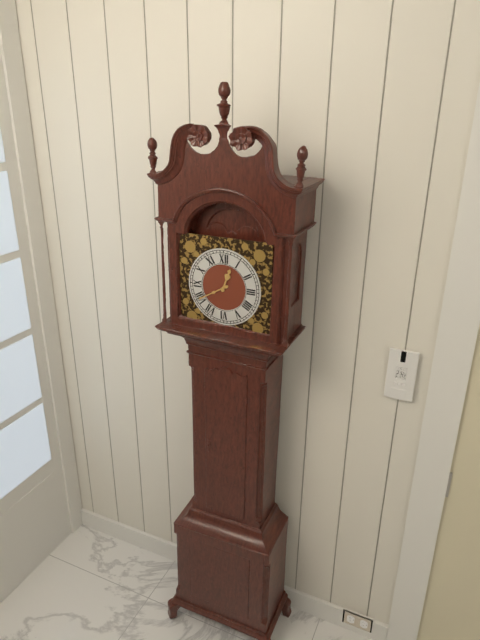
12,40
